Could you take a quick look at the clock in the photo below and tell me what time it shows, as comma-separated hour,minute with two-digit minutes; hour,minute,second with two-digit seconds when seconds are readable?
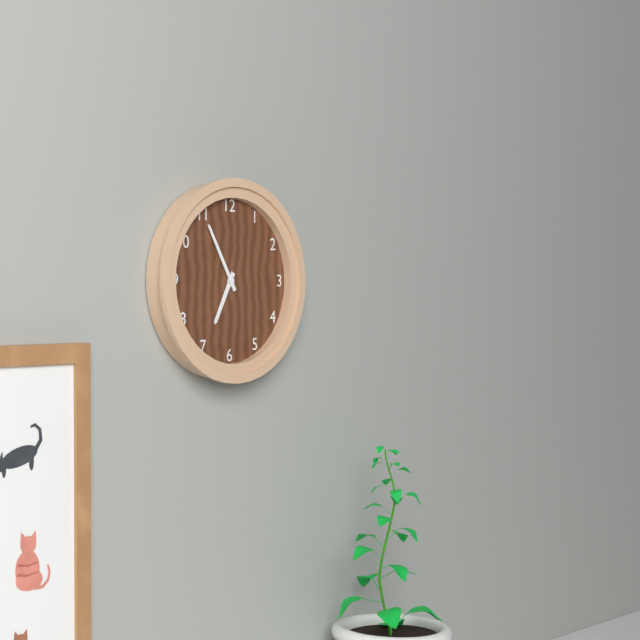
6,55
